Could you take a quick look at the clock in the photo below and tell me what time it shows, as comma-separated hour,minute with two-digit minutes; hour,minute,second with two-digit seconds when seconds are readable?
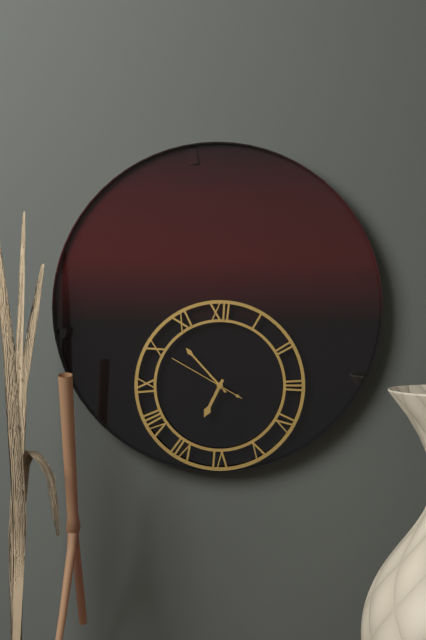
6,53,50
